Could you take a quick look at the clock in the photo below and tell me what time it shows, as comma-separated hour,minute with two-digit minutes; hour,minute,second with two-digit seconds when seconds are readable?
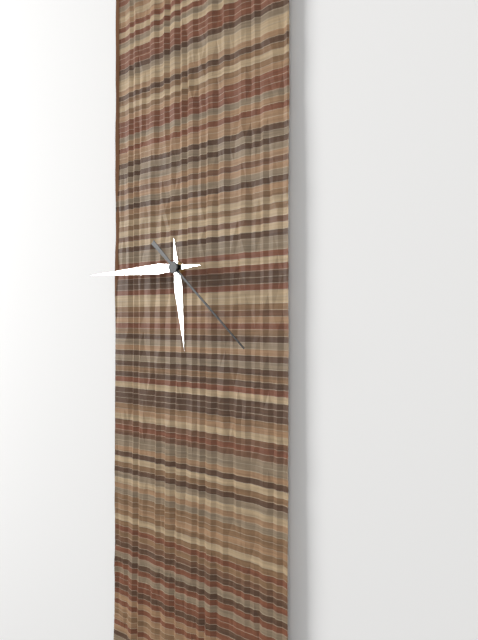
5,45,22
